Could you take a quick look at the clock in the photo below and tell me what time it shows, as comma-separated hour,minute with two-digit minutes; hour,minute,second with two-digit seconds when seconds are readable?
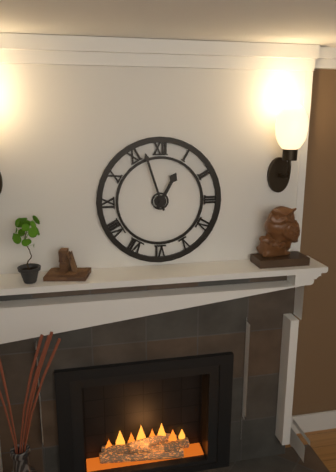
12,57
